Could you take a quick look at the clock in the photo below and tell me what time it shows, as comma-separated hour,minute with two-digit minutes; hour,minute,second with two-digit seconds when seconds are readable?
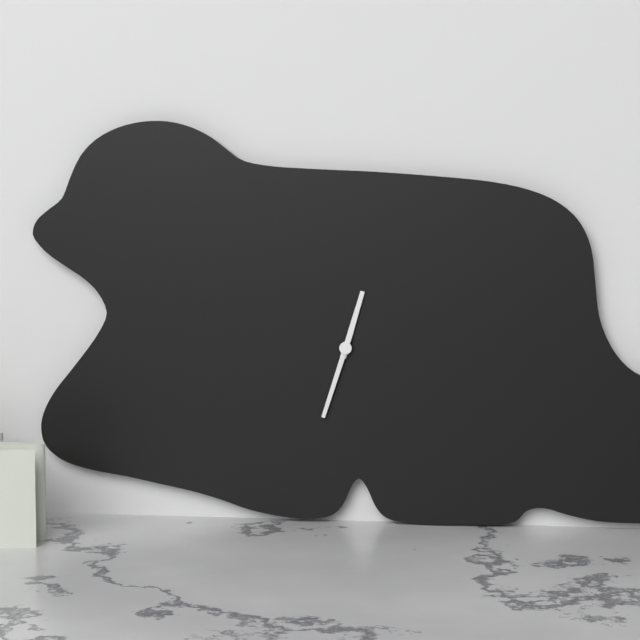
12,33
